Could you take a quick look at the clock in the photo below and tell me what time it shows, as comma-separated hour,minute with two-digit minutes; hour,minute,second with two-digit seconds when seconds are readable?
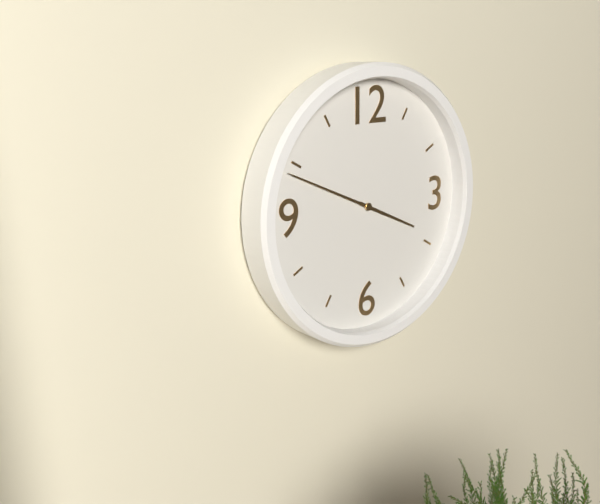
3,49,49
